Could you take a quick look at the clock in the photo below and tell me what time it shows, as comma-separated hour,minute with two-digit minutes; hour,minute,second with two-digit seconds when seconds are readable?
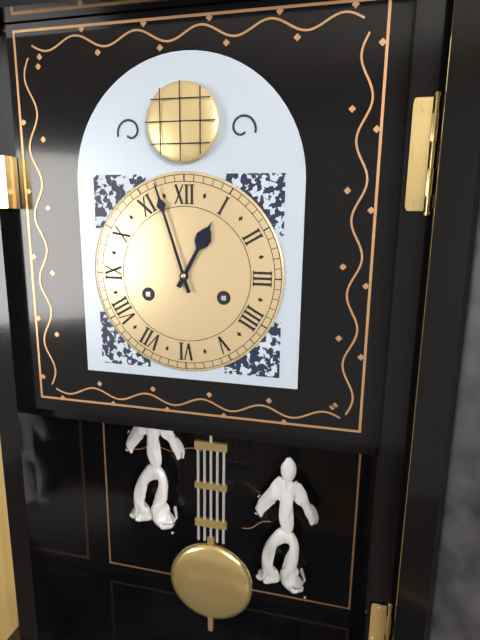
12,57
